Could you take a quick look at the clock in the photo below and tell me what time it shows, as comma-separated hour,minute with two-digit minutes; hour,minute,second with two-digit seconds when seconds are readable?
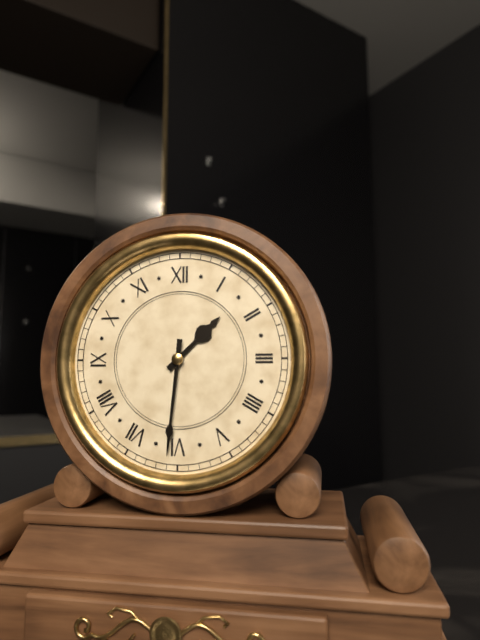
1,31
